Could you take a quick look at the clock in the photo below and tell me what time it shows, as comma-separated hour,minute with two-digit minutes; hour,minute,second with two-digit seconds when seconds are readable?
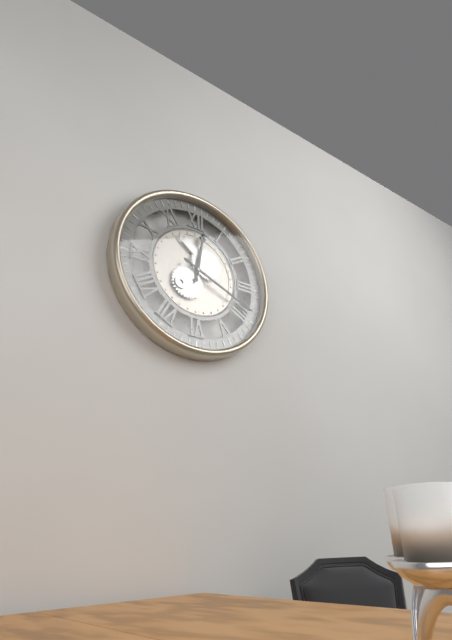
12,19
